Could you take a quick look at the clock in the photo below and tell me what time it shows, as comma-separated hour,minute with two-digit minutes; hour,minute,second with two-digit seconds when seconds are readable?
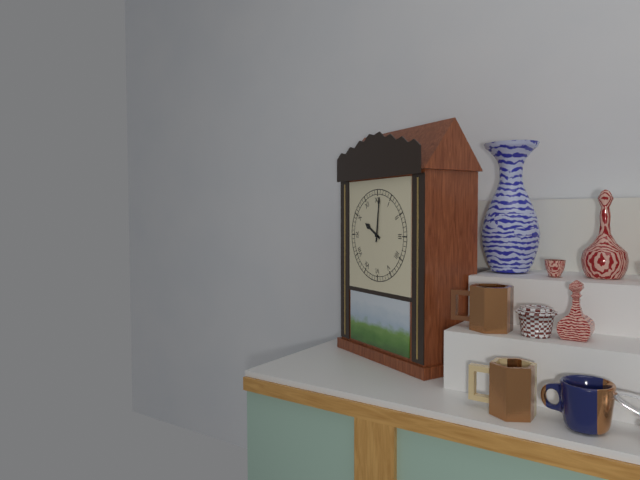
10,01
